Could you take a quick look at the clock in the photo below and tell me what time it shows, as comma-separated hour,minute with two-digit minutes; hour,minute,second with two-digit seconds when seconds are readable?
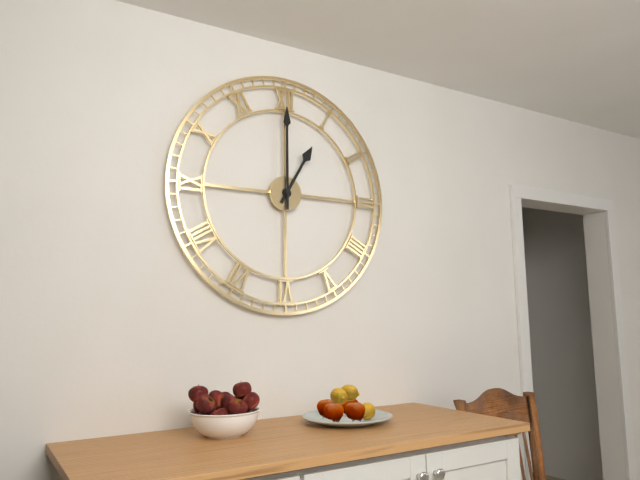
1,00
